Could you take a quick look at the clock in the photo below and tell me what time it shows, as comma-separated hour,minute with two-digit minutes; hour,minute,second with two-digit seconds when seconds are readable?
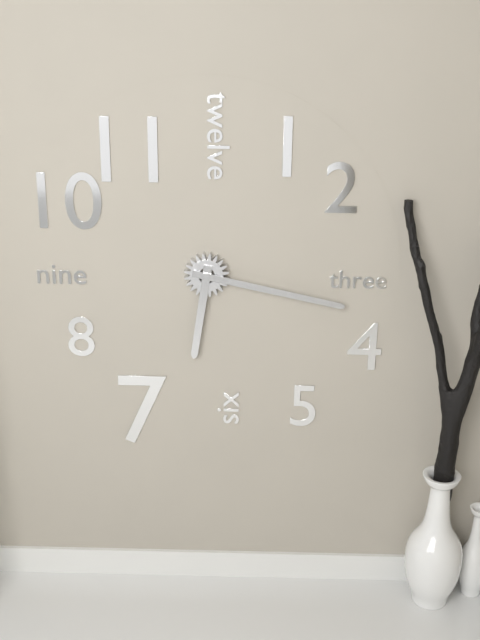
6,17
